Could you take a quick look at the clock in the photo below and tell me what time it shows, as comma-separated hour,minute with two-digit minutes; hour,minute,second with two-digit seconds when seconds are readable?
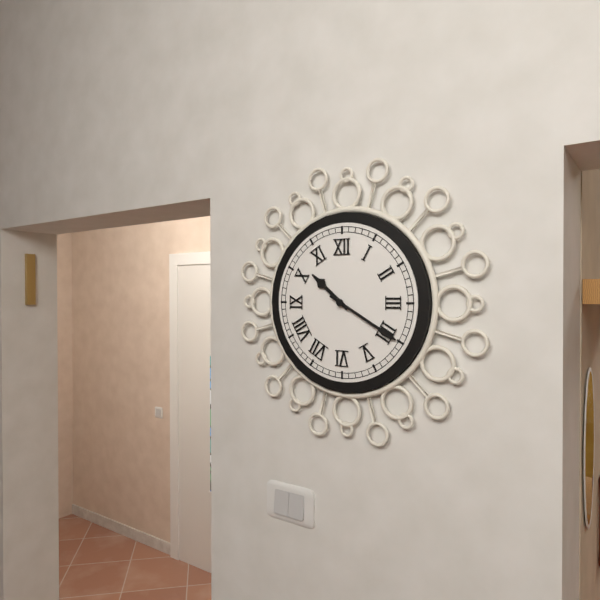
10,20
